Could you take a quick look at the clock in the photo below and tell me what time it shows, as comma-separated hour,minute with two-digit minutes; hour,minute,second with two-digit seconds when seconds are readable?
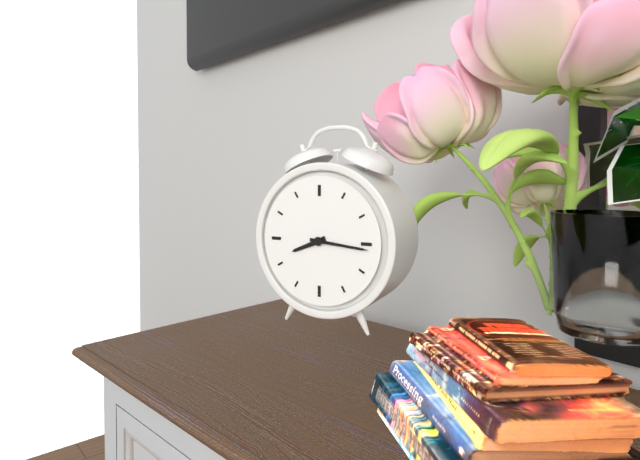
8,16
